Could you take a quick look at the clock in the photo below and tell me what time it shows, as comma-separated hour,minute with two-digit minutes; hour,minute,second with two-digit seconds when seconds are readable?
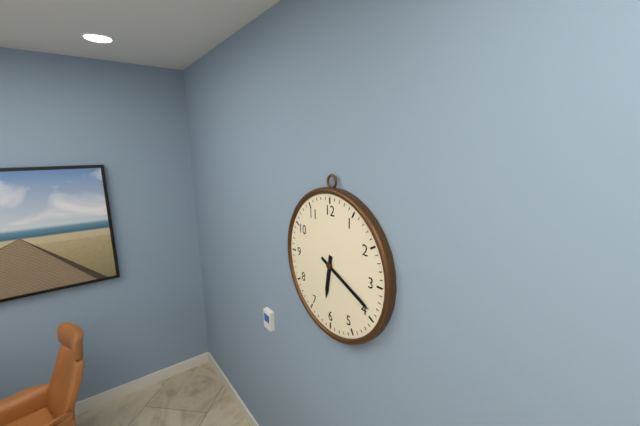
6,19
